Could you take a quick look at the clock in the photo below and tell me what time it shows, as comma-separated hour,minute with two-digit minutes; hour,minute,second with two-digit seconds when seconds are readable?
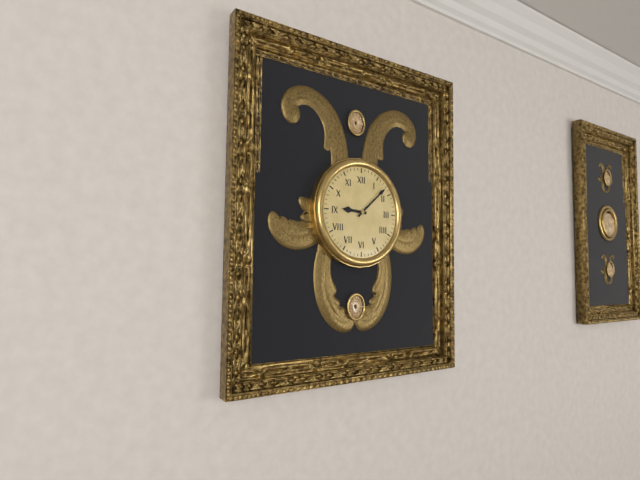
9,08
